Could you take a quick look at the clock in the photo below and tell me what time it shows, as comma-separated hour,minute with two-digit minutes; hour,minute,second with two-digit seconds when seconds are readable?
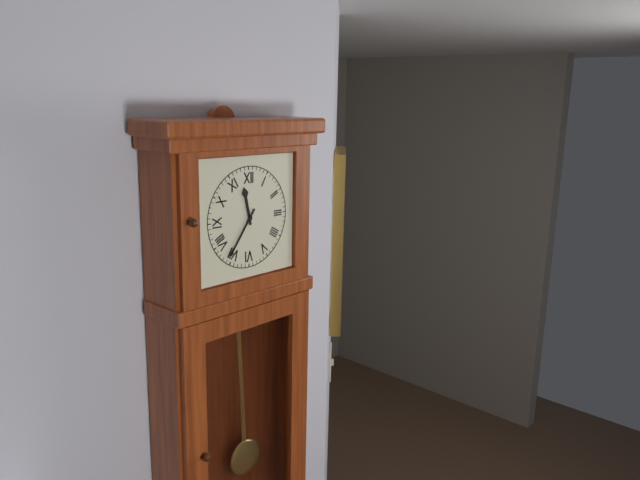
11,36
